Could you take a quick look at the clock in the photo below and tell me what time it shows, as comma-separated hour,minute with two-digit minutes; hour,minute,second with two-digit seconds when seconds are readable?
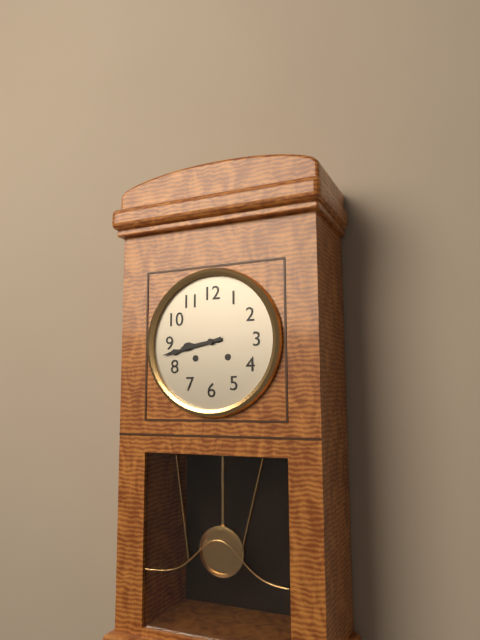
8,43
